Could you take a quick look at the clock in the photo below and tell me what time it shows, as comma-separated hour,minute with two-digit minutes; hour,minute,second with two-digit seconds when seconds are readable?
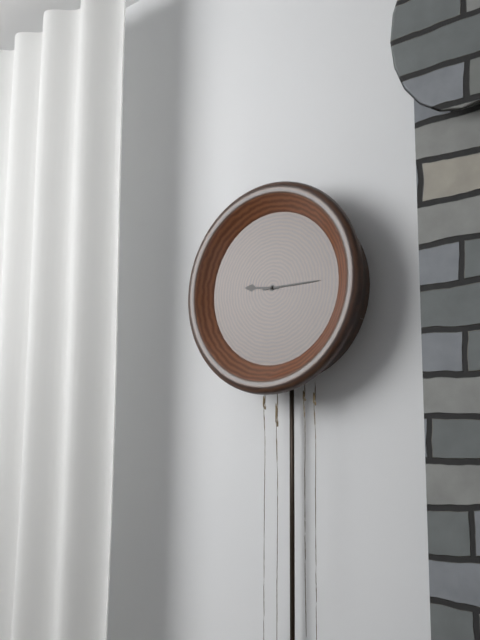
9,15
